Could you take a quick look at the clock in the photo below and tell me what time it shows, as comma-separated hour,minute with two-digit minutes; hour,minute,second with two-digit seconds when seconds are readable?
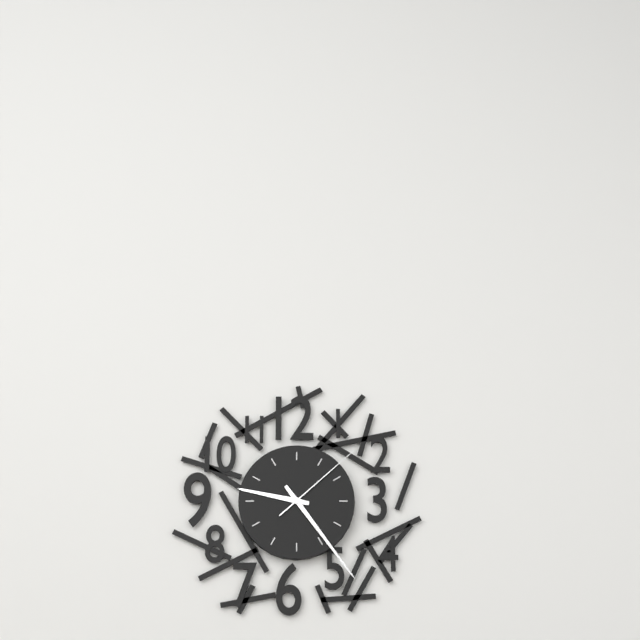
9,24,08
